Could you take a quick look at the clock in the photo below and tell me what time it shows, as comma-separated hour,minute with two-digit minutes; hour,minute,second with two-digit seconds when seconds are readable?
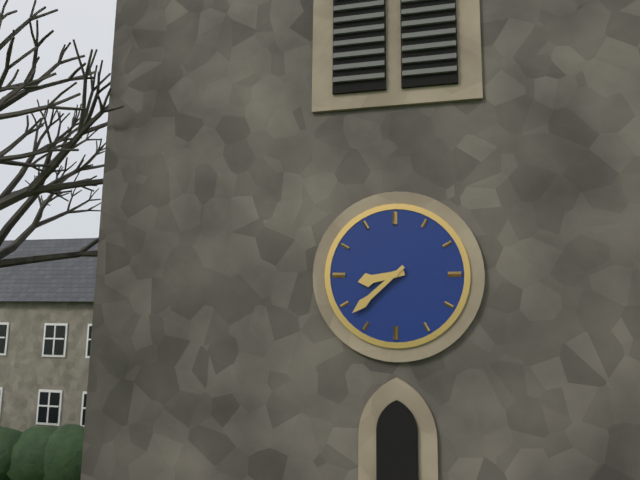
8,38
